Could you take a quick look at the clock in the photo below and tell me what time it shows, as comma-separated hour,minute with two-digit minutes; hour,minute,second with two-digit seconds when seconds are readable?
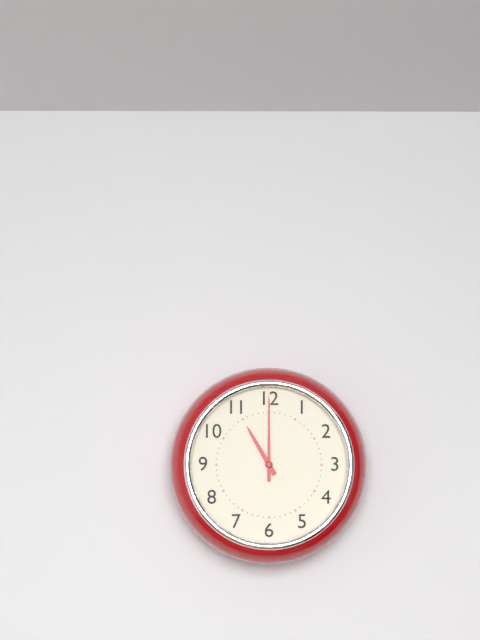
11,00
